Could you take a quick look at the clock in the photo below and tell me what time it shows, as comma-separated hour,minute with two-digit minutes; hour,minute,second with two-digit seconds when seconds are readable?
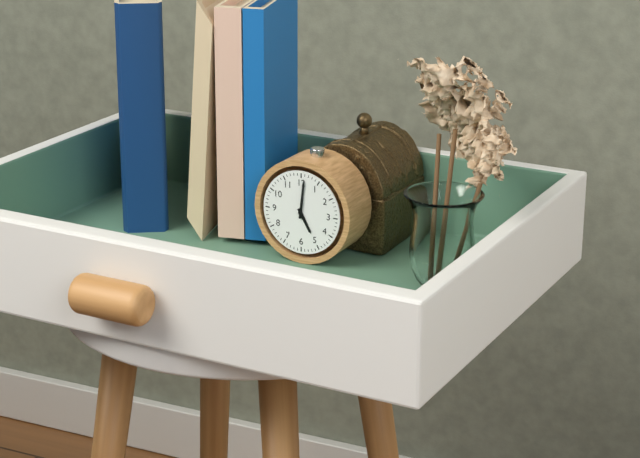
5,01
